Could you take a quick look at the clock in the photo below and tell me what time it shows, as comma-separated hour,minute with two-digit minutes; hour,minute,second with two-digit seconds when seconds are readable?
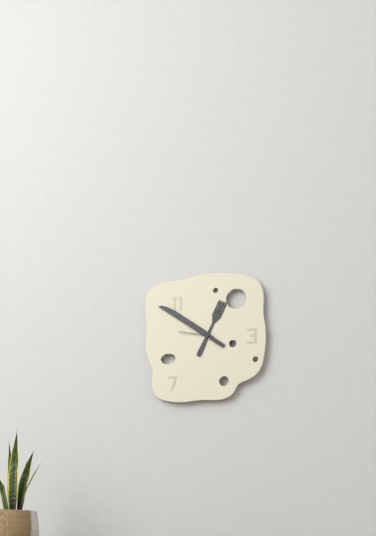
12,51
